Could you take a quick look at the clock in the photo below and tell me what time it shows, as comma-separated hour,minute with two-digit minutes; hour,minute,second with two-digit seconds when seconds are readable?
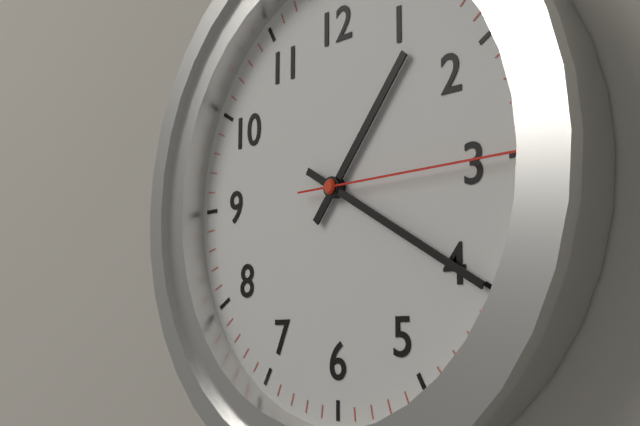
1,20,15
